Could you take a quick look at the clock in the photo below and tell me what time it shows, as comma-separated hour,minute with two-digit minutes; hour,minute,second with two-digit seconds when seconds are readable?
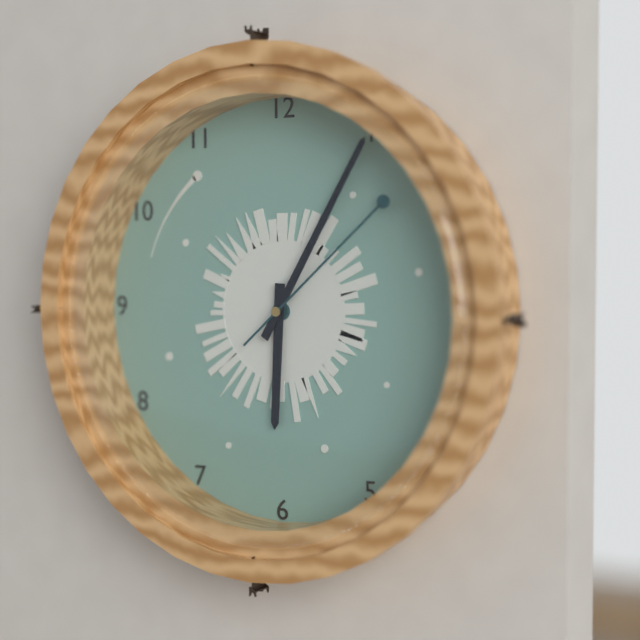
6,05,08
